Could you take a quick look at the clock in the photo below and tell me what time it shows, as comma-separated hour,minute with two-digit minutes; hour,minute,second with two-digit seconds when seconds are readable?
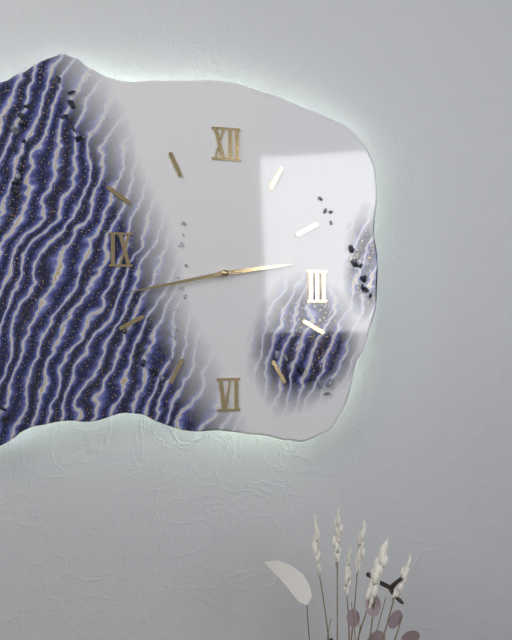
2,43
